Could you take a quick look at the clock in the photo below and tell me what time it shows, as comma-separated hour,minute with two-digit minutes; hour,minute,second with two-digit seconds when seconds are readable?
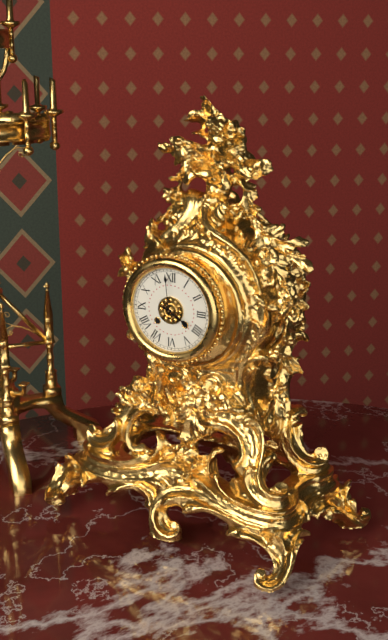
3,59
